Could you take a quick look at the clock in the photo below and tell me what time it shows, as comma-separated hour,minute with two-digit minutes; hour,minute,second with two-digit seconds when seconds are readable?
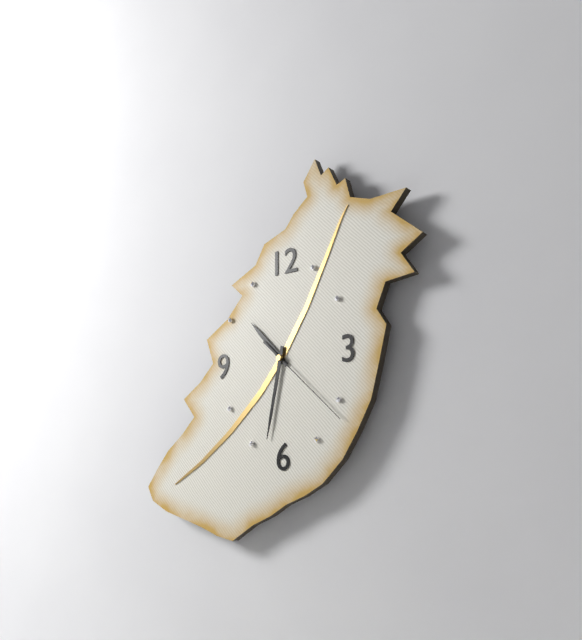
10,32,22
